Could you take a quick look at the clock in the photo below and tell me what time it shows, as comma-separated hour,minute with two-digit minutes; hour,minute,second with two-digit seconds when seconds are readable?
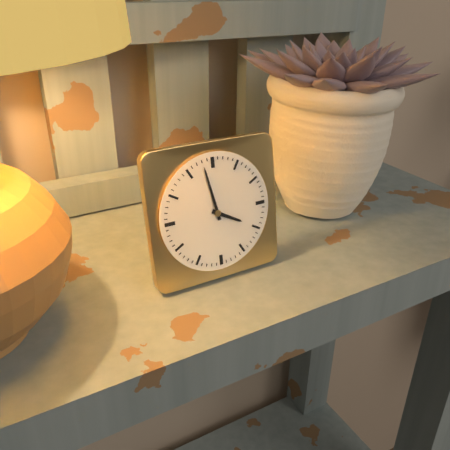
3,58
